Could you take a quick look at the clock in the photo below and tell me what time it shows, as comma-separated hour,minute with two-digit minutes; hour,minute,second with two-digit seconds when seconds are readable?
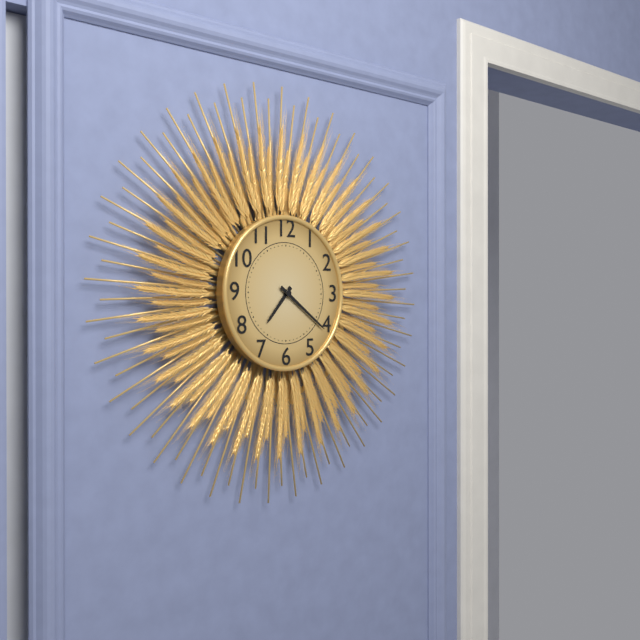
7,21
